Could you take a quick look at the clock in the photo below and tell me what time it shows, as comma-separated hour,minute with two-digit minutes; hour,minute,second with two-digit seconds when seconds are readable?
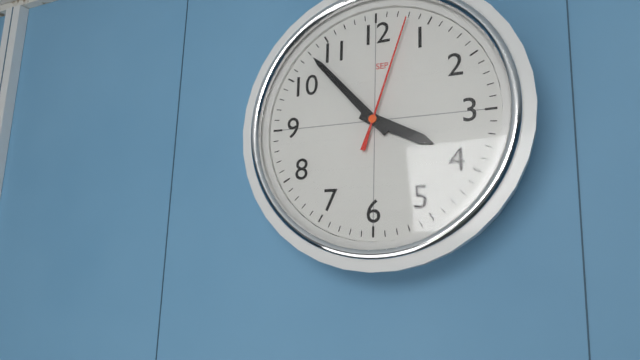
3,53,03
